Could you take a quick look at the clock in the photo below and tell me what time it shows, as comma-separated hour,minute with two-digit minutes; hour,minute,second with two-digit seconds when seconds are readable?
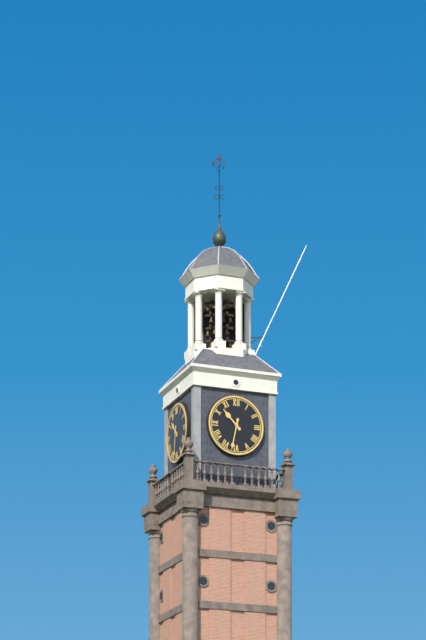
10,32
